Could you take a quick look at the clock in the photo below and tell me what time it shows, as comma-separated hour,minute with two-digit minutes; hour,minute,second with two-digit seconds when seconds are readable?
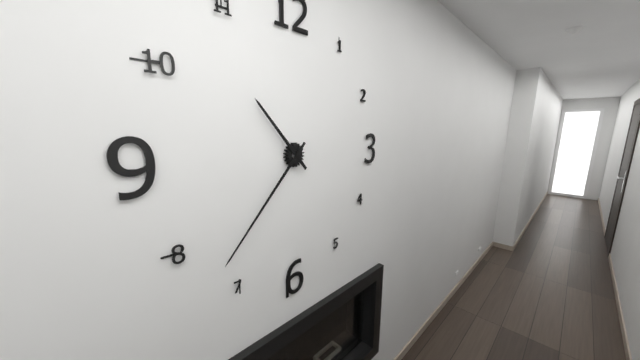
10,37
